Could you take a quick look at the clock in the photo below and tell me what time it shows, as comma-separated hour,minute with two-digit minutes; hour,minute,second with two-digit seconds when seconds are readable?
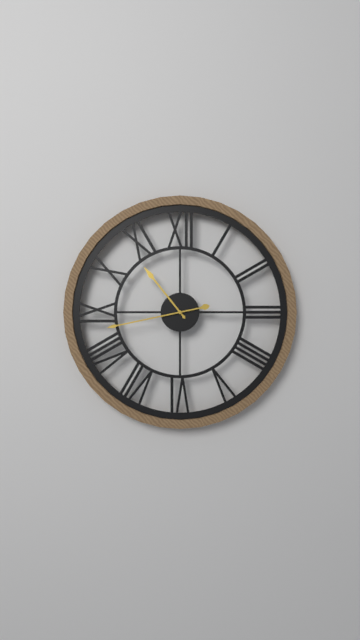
10,43
